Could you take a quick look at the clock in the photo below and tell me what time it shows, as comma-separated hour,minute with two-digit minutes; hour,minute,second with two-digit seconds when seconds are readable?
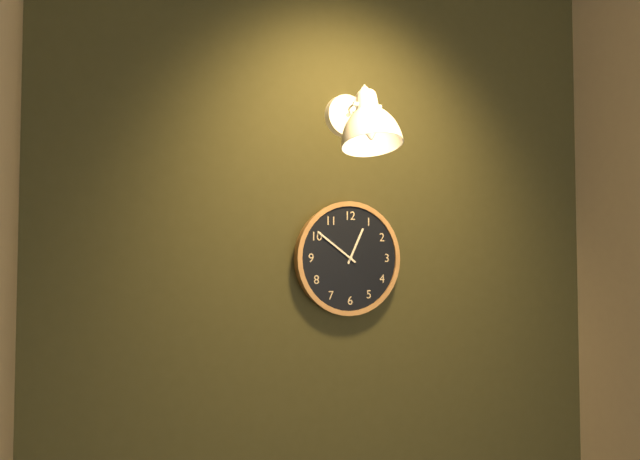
12,51
